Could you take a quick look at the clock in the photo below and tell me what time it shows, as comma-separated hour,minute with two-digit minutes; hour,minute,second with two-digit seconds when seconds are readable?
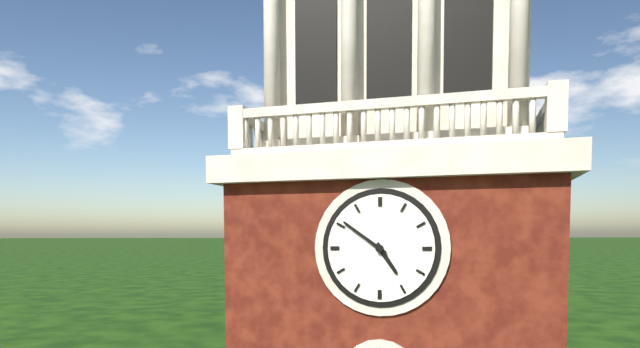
4,51
